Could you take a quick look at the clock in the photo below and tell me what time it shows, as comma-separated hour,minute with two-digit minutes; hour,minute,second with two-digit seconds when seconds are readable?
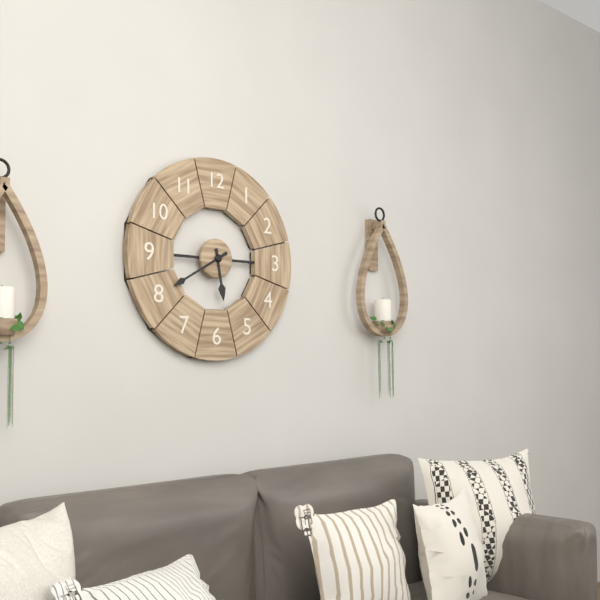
5,40
